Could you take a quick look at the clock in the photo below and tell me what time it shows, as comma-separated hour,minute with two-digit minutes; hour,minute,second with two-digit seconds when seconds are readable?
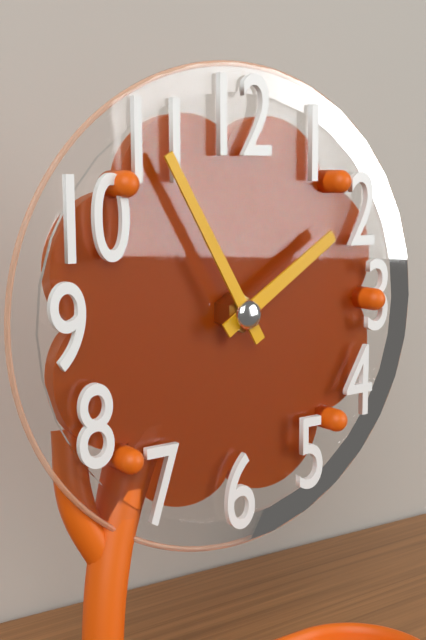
1,55
